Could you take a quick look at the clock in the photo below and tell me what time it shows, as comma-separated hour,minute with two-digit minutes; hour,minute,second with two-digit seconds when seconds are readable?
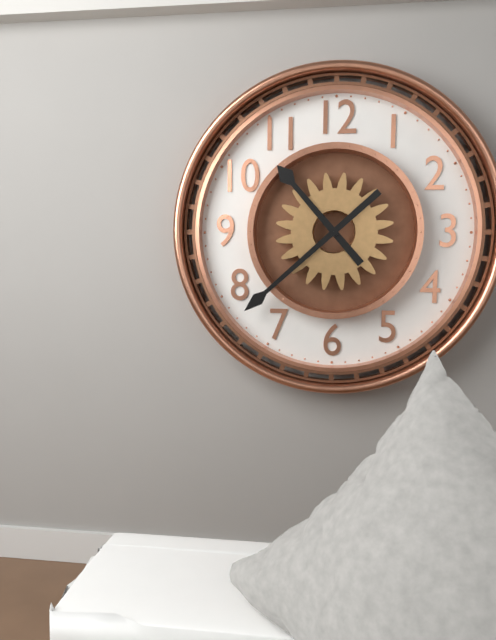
10,38
